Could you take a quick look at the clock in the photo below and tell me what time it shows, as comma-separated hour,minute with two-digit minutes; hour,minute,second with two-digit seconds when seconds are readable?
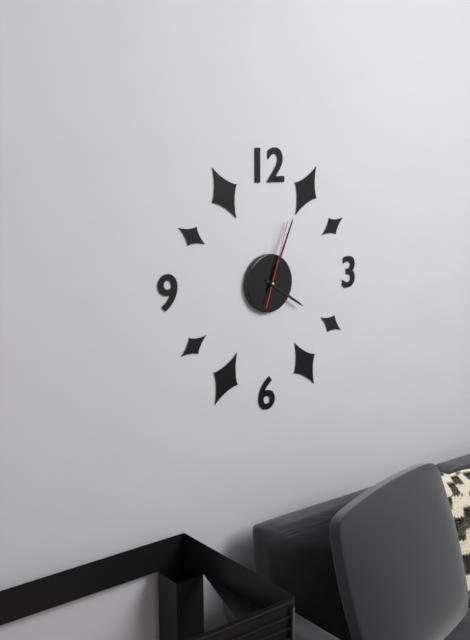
4,04,03
